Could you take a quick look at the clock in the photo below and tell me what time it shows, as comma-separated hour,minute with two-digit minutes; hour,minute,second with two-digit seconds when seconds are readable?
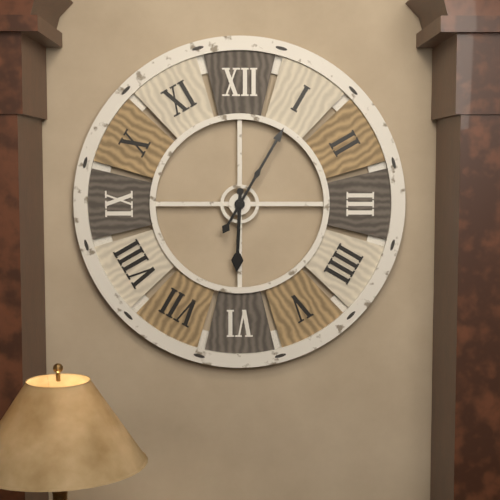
6,05
